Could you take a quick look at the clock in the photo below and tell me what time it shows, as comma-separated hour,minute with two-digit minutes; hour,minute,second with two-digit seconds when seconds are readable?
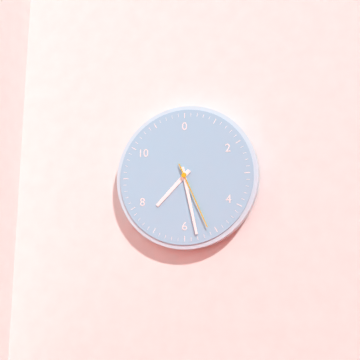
7,28,26
